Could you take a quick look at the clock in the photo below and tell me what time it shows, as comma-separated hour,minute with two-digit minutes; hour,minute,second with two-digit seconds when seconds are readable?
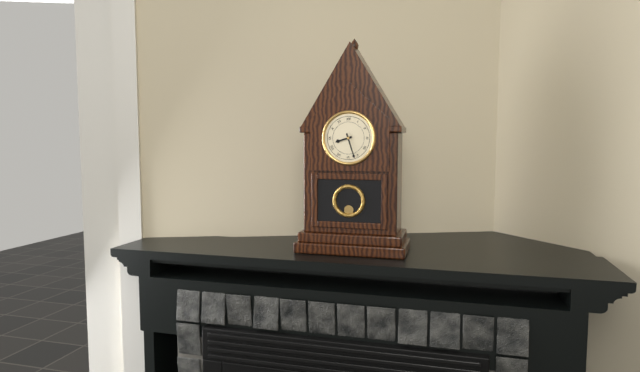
8,27
